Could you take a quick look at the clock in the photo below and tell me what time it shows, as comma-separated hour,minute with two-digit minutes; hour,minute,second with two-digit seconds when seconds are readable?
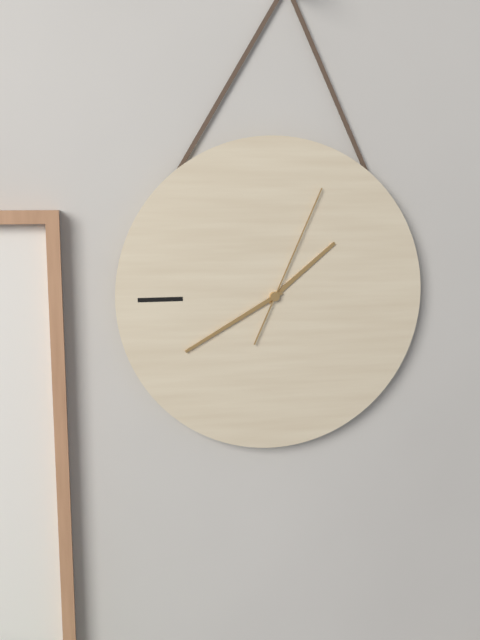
1,40,04
